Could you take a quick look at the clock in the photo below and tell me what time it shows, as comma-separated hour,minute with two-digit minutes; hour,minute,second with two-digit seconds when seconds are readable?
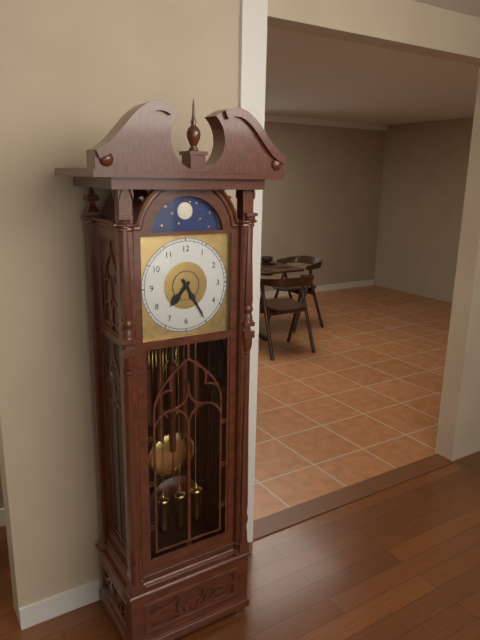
7,25
